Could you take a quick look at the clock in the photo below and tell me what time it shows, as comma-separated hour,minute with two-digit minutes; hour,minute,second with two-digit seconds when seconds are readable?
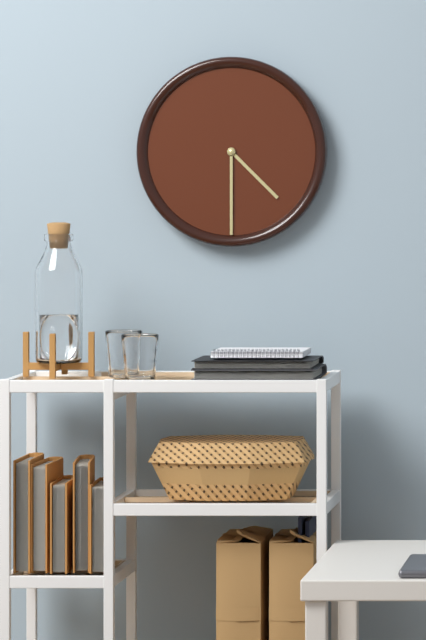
4,30
